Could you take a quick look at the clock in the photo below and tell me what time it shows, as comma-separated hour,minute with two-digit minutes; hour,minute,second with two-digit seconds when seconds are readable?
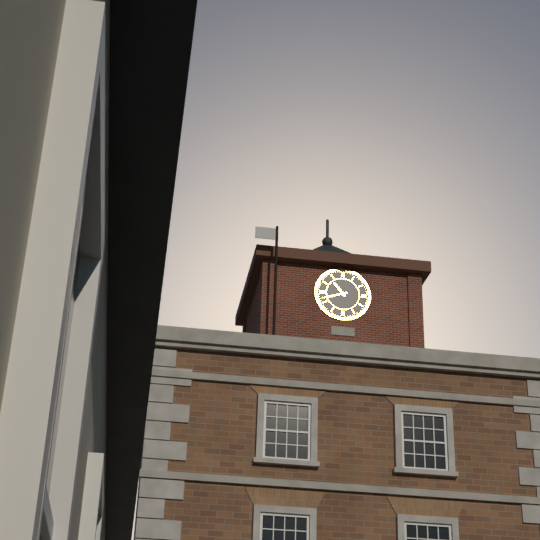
10,42
